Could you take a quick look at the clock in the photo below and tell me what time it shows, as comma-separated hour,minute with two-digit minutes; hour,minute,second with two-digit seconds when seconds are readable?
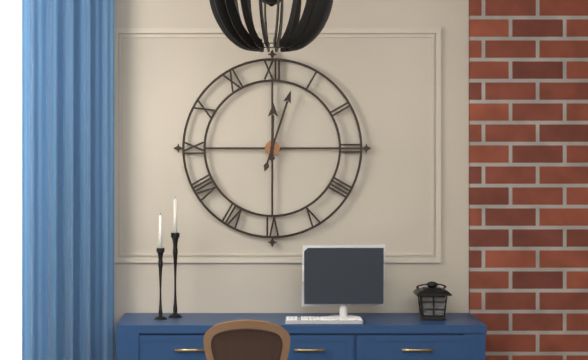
12,03
